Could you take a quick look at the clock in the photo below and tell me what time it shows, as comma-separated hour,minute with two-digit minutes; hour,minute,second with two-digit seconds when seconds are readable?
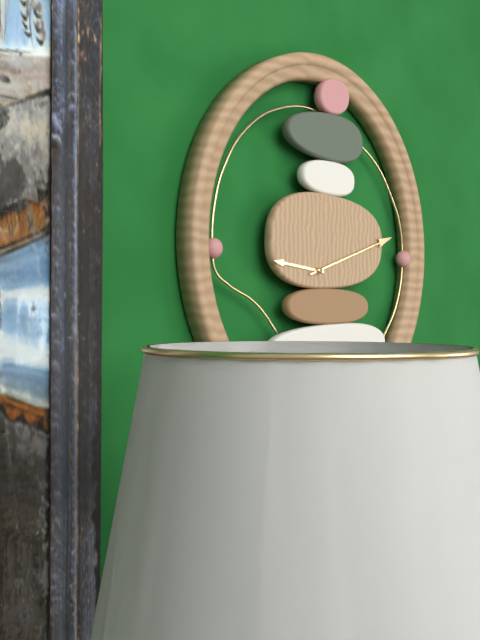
9,12
